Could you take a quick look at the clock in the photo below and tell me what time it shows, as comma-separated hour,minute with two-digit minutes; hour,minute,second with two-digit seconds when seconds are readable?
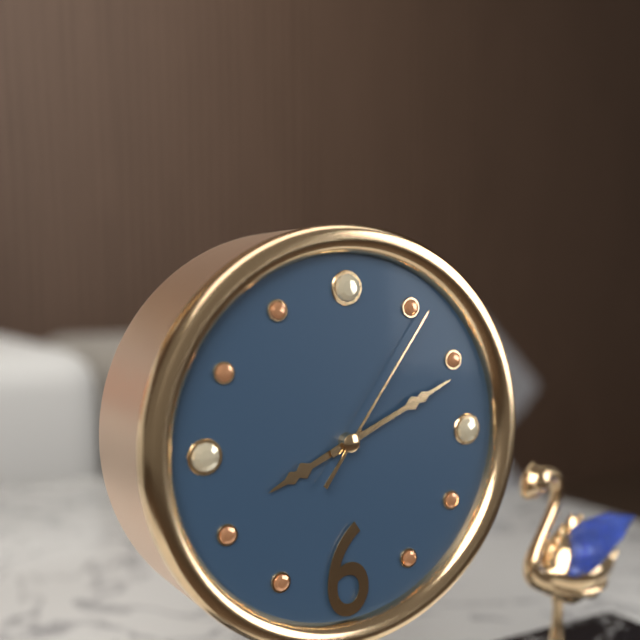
8,11,06
